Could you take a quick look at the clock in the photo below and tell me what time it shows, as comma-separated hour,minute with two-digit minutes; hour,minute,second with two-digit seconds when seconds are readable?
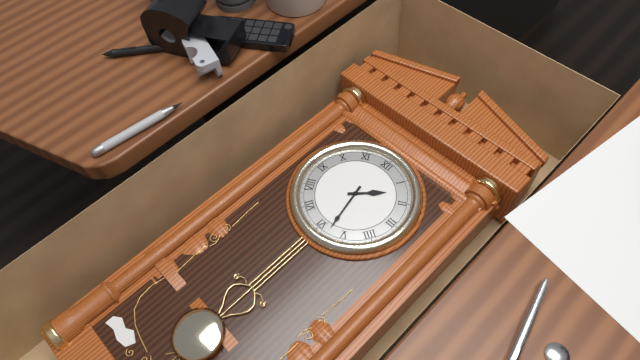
1,28
